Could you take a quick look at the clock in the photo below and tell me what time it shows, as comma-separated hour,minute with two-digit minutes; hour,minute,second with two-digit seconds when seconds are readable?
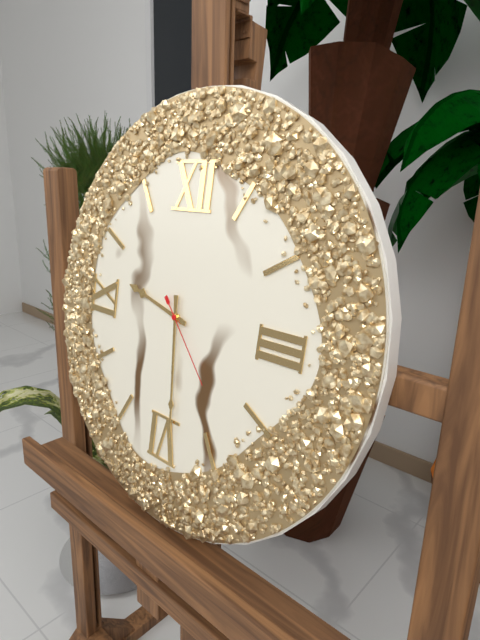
9,29,23
